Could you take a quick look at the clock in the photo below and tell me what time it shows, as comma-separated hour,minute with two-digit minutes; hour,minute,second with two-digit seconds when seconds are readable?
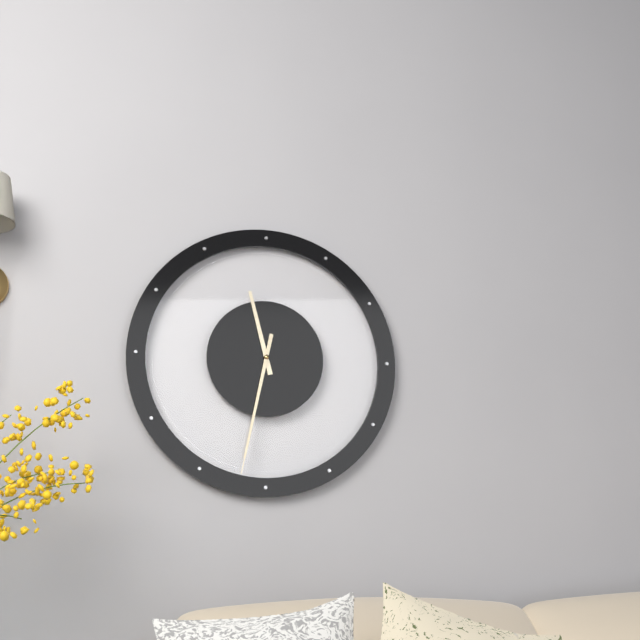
11,32,32
